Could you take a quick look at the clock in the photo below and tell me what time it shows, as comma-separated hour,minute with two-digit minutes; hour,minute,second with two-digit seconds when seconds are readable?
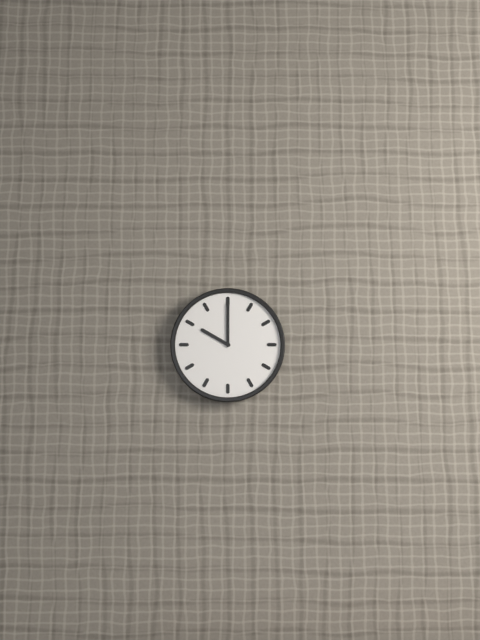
10,00
